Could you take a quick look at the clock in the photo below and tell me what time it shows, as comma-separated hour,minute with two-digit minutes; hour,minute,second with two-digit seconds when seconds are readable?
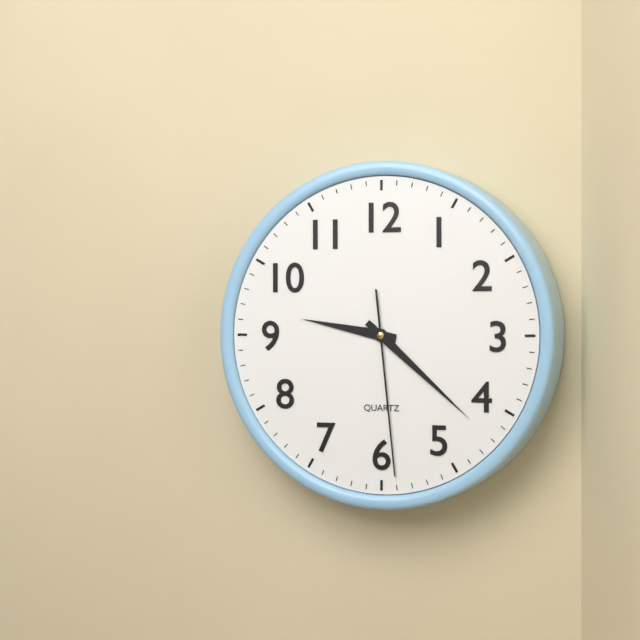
9,22,29
